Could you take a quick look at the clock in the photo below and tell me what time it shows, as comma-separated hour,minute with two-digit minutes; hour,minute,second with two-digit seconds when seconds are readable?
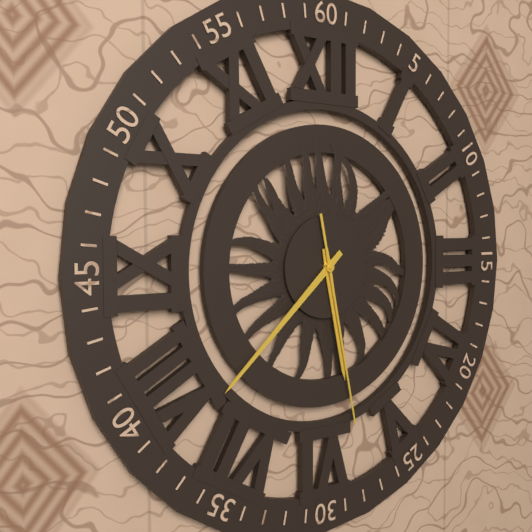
5,38,28
